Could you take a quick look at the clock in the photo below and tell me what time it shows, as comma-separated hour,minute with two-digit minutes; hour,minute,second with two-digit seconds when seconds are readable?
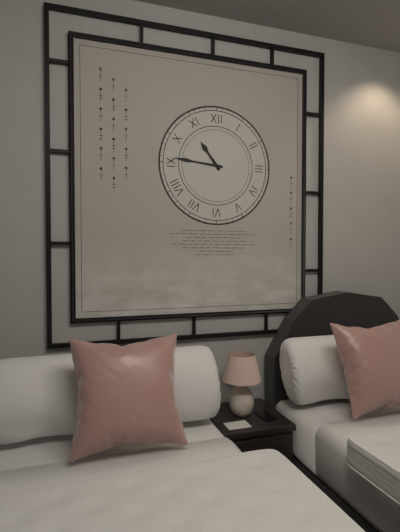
10,46
